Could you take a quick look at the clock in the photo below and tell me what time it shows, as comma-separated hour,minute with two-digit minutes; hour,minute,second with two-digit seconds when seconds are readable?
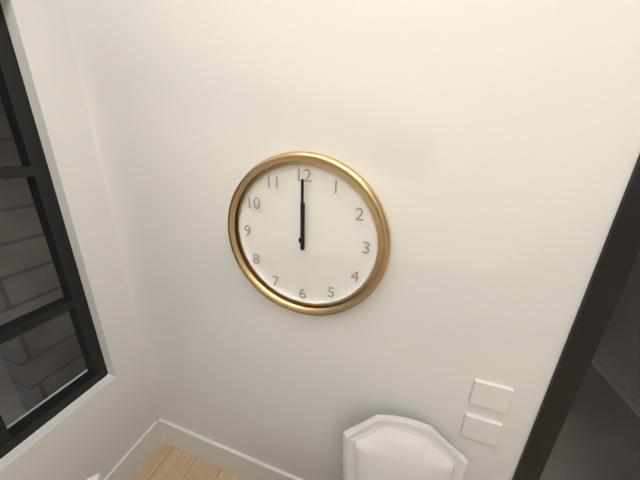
12,00
